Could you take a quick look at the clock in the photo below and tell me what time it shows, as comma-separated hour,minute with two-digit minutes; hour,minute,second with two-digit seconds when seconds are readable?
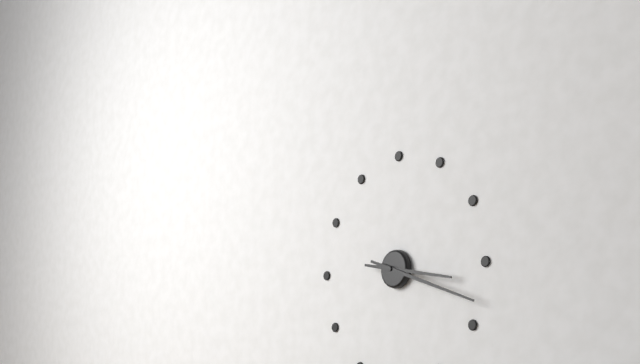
3,18
